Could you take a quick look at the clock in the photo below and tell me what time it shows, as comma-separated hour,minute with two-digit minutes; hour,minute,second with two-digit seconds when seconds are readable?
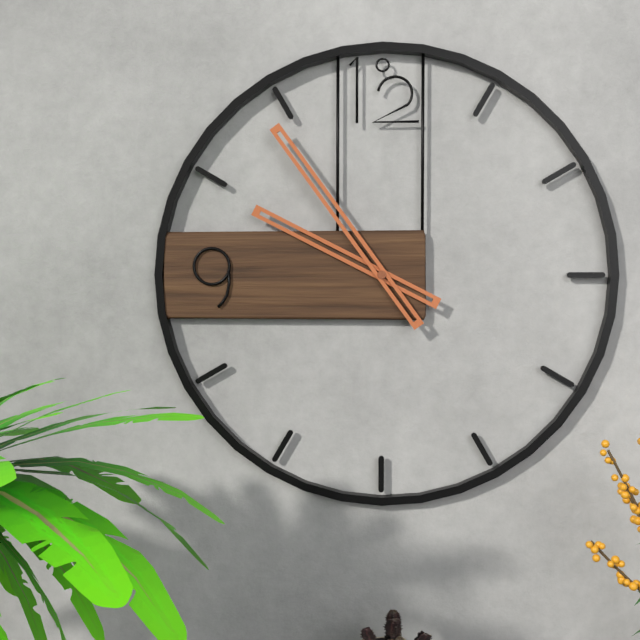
9,54
